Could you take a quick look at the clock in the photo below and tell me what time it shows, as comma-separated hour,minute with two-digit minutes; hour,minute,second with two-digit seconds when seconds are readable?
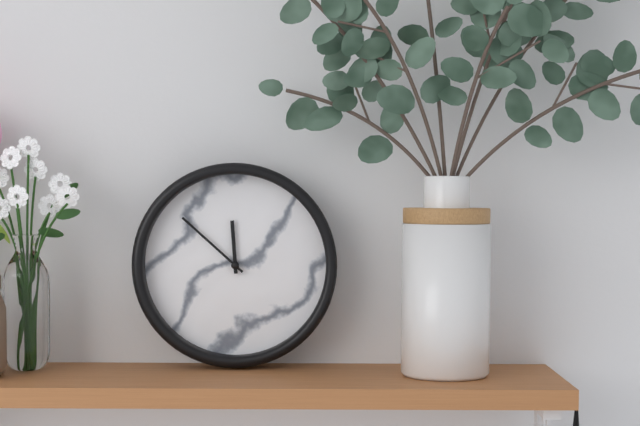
11,52
